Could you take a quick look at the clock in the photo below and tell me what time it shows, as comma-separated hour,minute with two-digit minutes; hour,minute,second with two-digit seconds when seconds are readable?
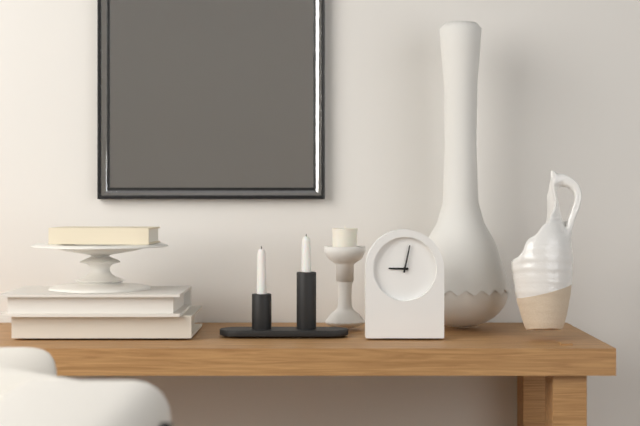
9,02
